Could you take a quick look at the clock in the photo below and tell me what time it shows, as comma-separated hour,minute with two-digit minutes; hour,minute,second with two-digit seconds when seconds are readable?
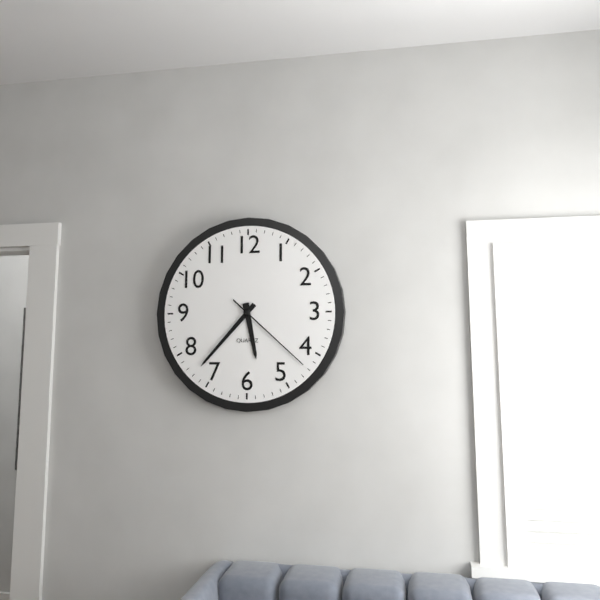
5,37,22
